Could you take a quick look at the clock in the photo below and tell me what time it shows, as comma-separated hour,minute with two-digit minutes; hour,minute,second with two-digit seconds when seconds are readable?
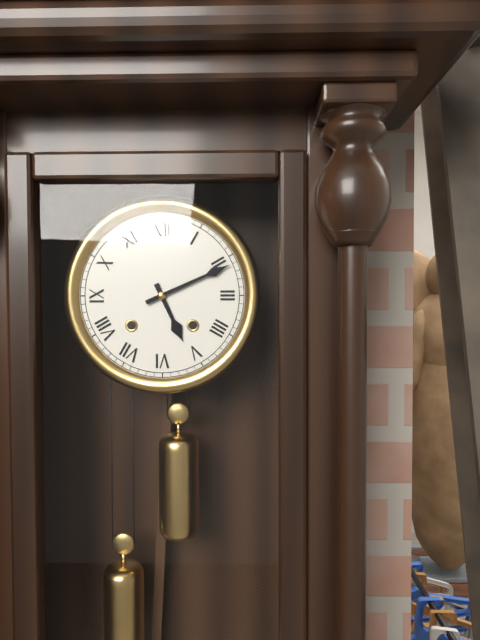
5,11
